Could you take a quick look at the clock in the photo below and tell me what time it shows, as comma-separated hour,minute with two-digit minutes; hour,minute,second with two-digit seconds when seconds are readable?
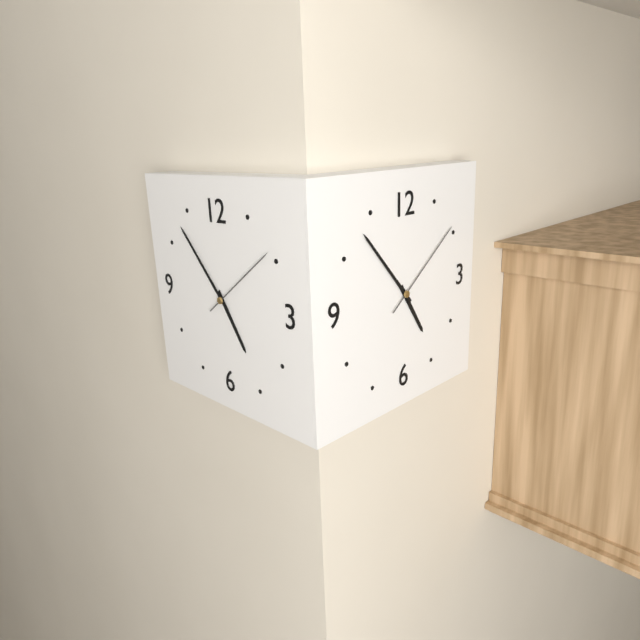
4,53,09
